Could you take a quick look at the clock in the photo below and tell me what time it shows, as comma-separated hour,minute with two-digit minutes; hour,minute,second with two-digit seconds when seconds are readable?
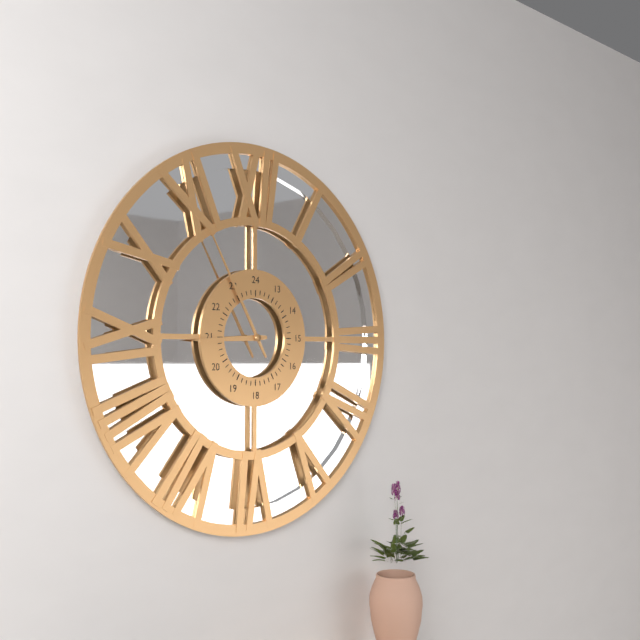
8,55
